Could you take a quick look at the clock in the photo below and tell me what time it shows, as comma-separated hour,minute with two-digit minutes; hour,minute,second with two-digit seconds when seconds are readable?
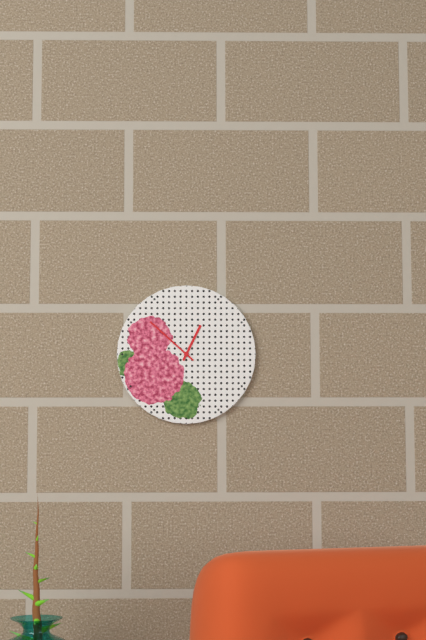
12,52
